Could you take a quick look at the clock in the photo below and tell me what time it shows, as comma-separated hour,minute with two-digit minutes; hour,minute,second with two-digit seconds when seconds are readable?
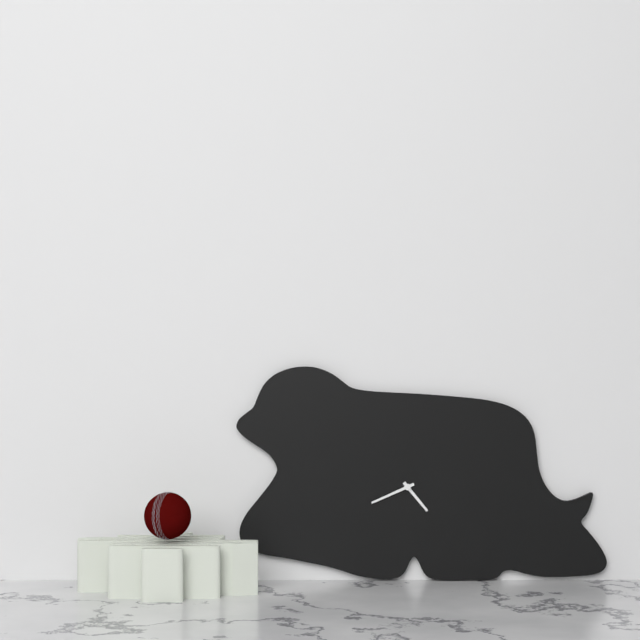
4,41
